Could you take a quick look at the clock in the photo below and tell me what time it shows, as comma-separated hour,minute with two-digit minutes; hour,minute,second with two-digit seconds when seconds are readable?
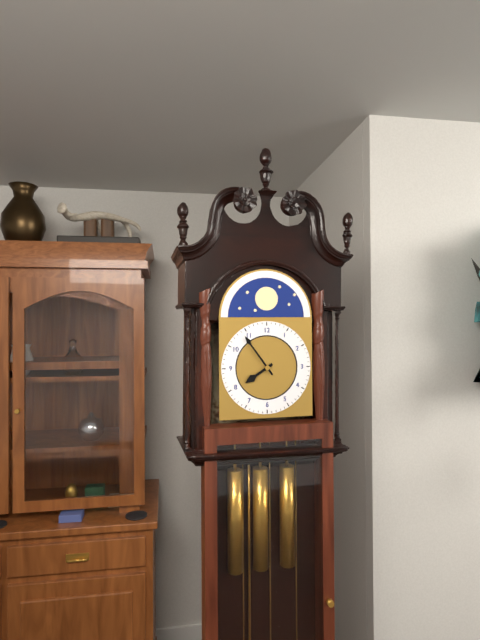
7,54
